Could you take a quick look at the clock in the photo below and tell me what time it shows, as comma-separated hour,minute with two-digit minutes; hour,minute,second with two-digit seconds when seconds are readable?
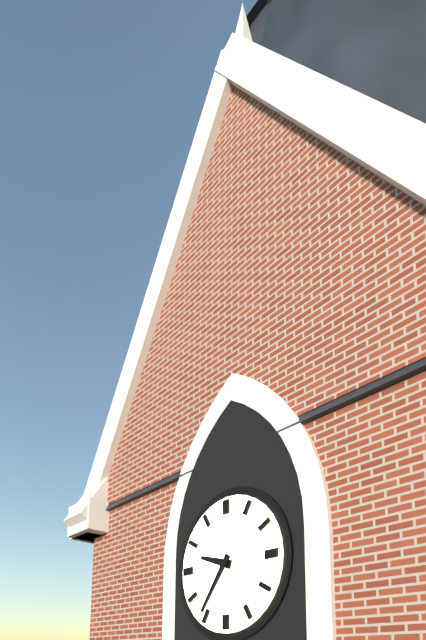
9,36
